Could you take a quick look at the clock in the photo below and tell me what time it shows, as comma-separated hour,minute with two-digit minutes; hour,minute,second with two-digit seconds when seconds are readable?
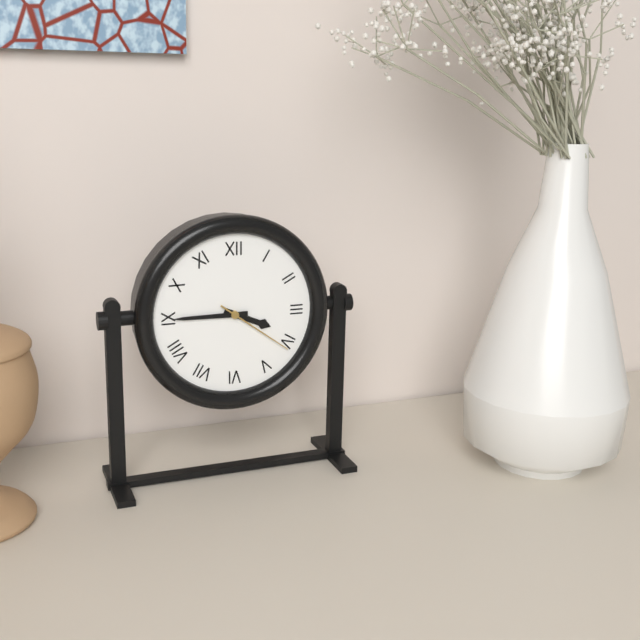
3,45,21
